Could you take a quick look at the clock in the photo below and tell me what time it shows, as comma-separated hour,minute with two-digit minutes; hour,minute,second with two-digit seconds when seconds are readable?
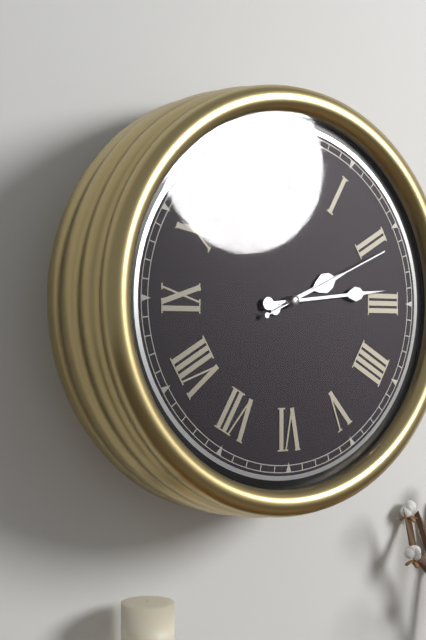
2,14,11
